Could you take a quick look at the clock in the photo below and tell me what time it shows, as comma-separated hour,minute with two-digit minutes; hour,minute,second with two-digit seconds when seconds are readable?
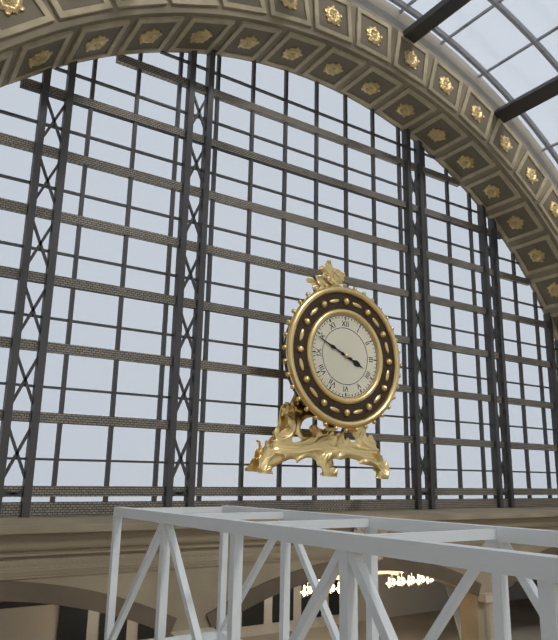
3,49
